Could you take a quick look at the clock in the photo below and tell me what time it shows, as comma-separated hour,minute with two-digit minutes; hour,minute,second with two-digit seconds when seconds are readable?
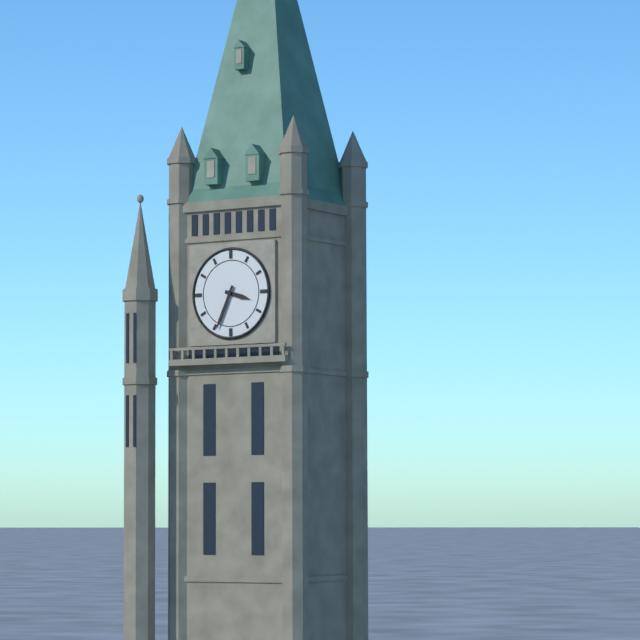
3,34
